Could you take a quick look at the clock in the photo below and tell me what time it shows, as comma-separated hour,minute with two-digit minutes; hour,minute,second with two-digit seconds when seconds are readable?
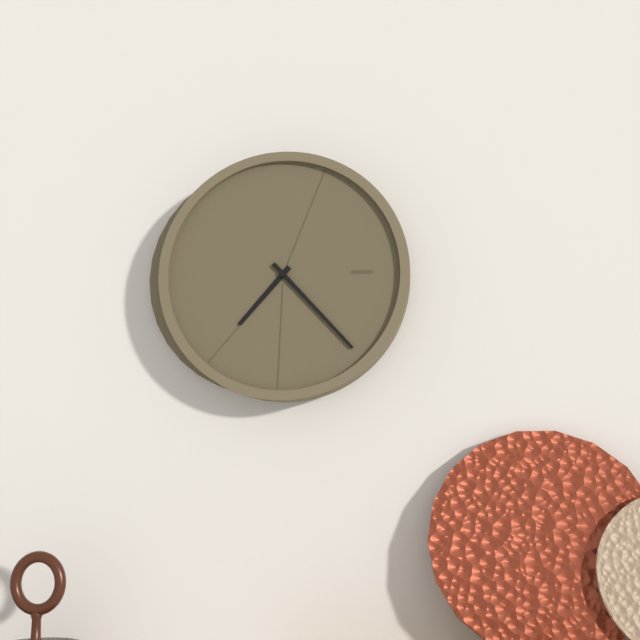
7,23
